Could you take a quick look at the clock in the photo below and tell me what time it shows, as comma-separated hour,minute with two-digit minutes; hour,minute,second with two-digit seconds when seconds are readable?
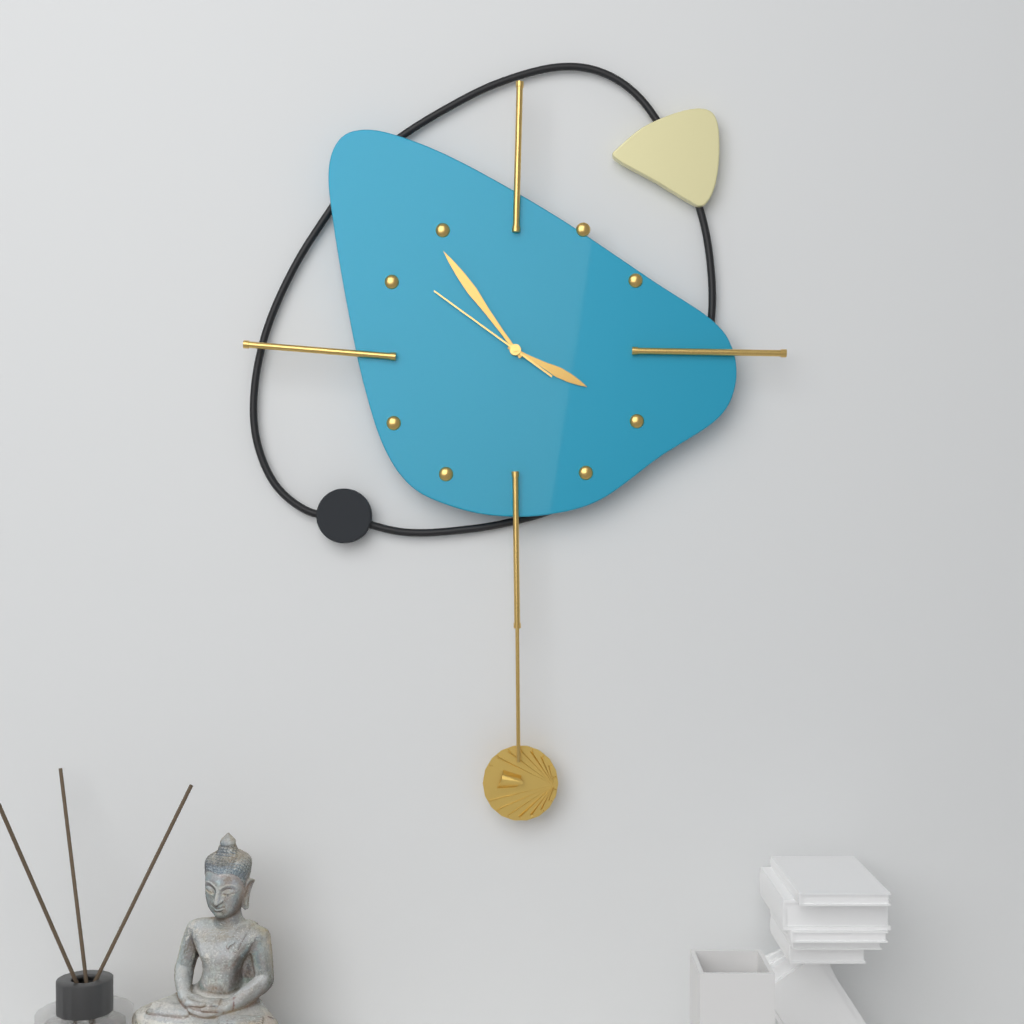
3,54,51
